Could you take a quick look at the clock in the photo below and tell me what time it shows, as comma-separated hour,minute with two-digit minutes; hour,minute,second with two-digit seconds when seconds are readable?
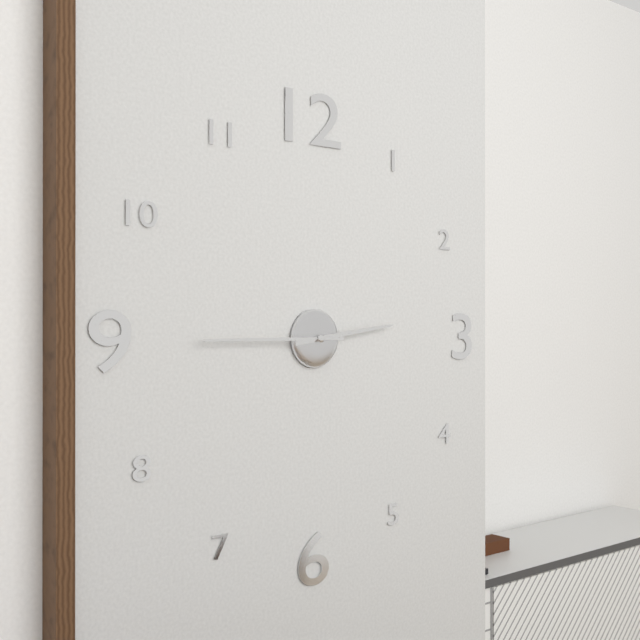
2,45
